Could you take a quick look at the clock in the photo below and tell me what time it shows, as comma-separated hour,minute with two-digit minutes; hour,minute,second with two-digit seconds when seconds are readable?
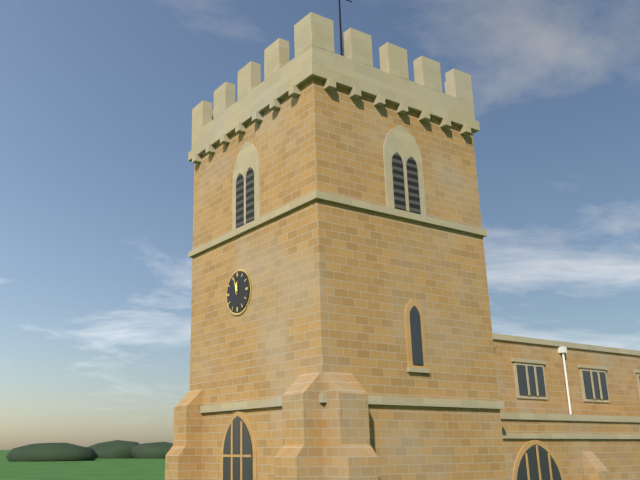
11,57
